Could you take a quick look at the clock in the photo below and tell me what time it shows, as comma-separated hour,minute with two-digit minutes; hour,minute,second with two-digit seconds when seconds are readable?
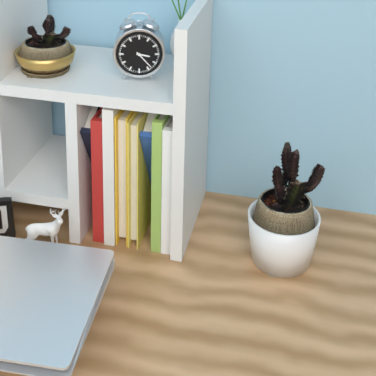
3,23
